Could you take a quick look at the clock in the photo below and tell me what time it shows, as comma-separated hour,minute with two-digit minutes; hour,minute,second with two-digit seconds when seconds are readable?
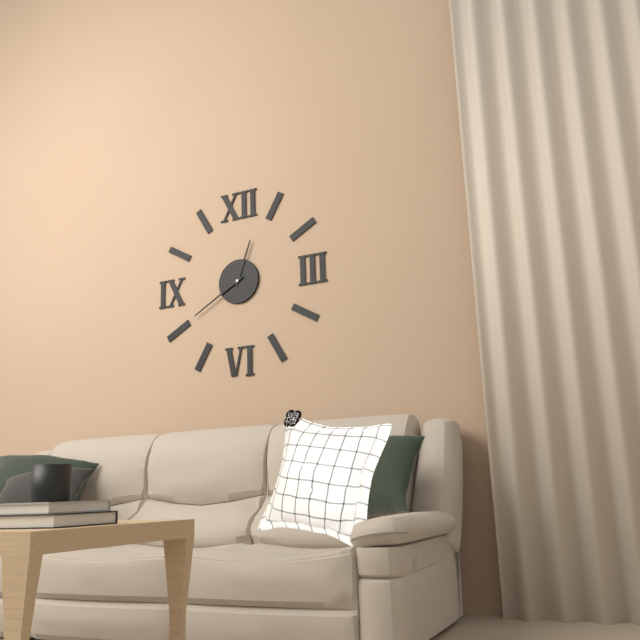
12,40
